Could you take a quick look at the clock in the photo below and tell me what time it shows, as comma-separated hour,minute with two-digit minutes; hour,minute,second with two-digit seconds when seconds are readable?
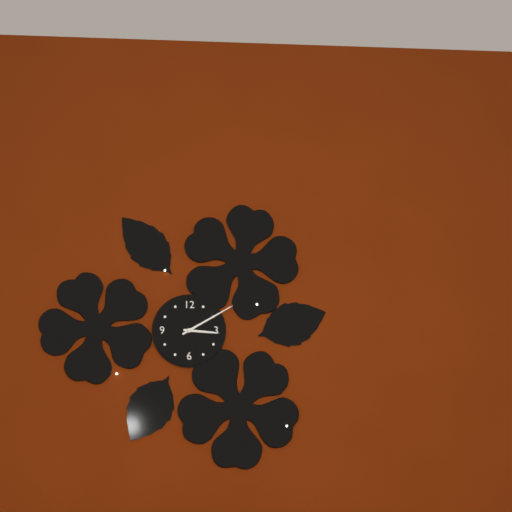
3,10
